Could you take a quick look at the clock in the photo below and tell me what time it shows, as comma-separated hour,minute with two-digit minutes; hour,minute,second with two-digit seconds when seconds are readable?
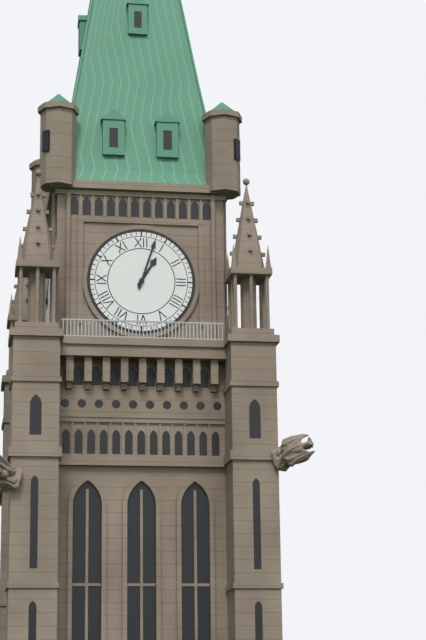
1,03
